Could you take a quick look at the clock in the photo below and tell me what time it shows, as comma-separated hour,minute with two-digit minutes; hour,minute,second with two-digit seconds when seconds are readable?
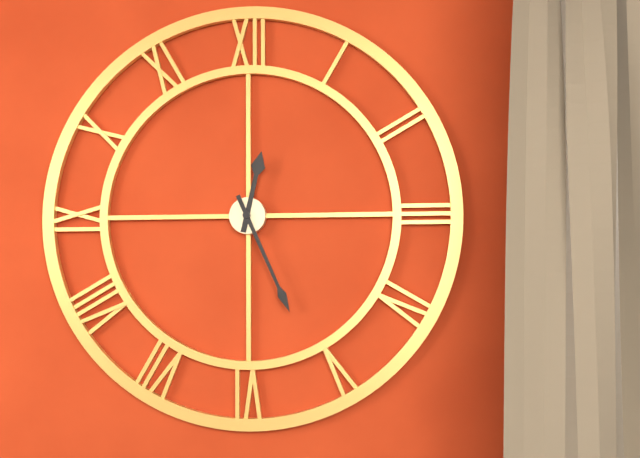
12,26
